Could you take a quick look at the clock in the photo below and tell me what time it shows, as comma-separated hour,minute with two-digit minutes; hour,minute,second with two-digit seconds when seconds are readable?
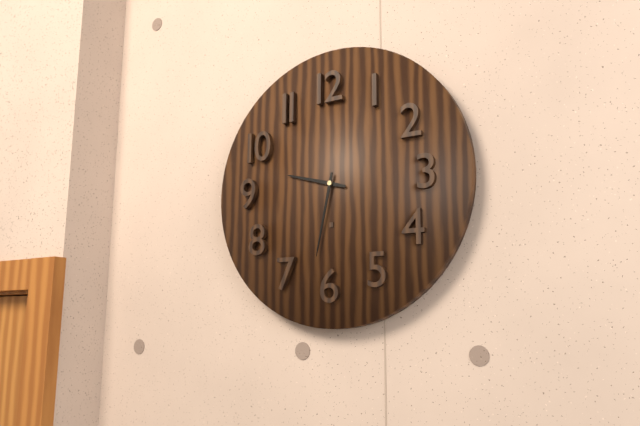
9,32
